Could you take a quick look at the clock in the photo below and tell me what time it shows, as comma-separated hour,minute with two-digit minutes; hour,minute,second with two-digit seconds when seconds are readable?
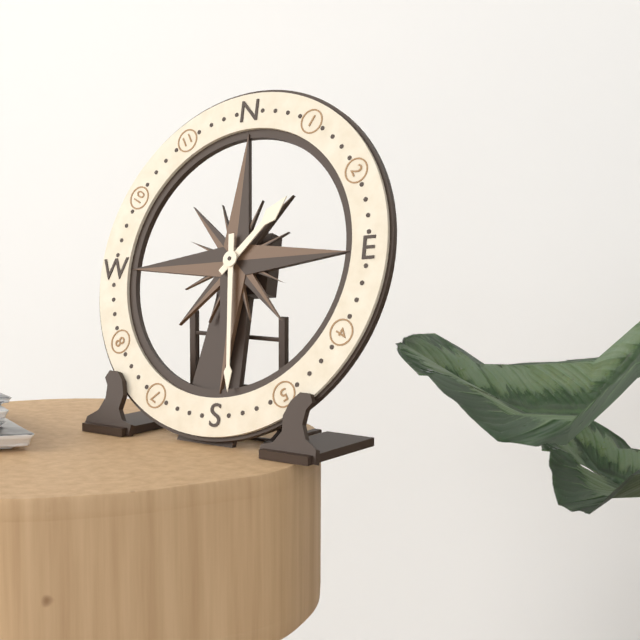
1,29
